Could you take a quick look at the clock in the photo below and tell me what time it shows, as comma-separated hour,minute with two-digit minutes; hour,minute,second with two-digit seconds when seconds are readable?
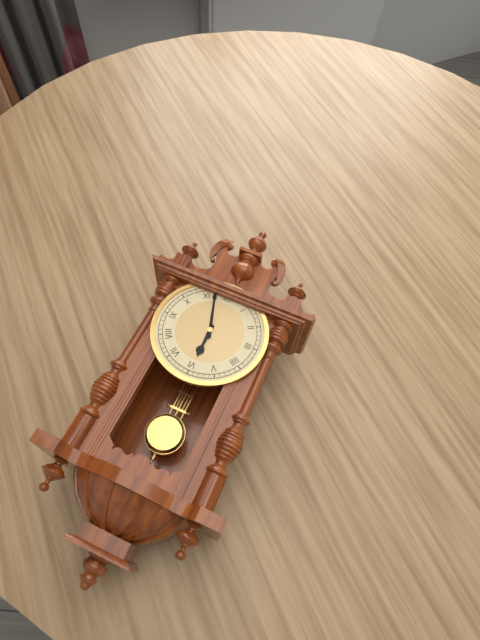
5,57
